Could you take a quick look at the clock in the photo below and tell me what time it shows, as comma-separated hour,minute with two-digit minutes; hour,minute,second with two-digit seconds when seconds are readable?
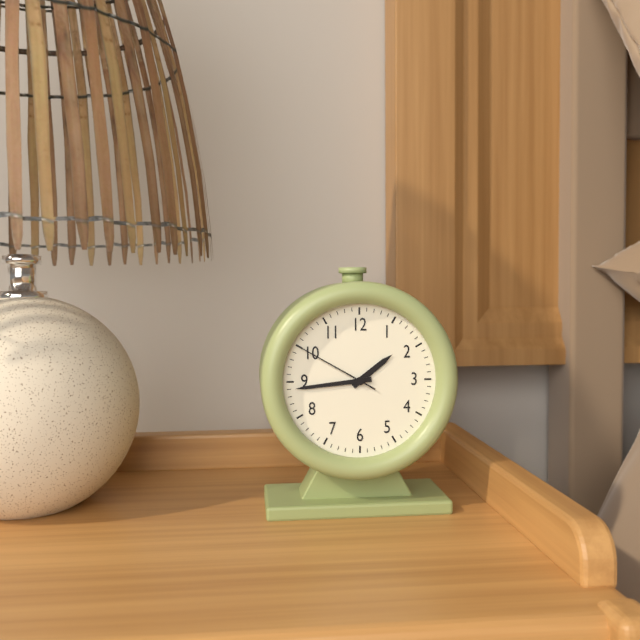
1,44,50
